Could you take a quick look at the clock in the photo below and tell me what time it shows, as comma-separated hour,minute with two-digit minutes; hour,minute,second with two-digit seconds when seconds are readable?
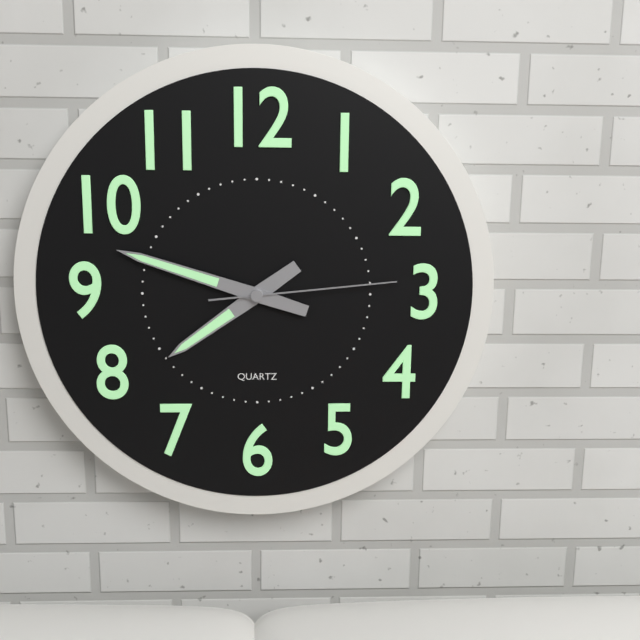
7,48,14
